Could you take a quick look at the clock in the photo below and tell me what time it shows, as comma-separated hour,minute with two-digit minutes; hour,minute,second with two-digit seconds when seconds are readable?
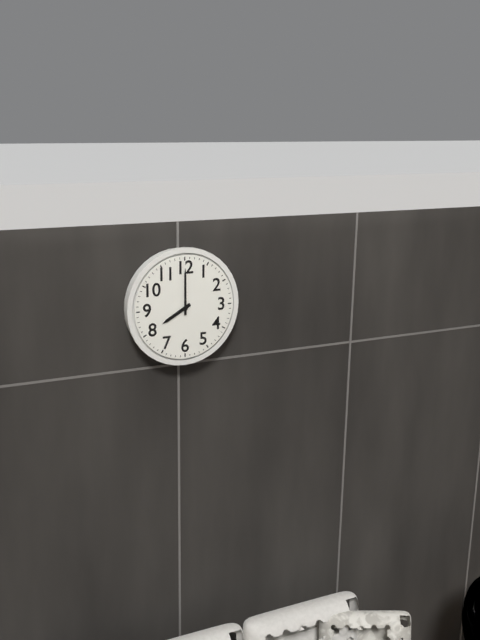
8,00
